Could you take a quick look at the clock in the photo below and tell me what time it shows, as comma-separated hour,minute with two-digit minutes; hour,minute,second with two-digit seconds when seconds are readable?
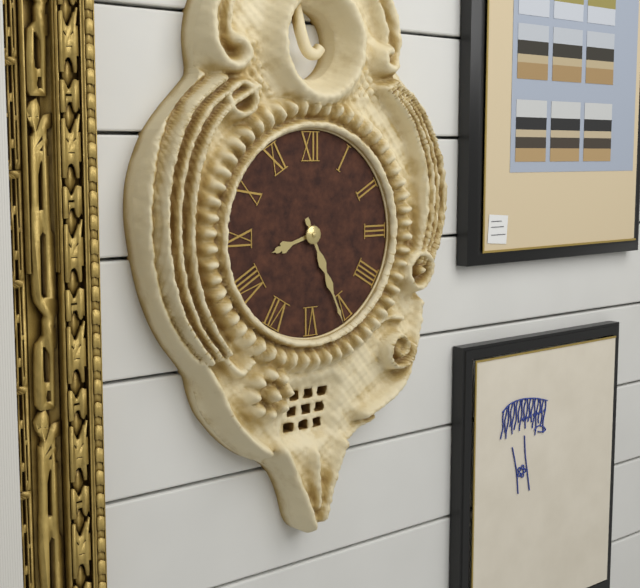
8,26
